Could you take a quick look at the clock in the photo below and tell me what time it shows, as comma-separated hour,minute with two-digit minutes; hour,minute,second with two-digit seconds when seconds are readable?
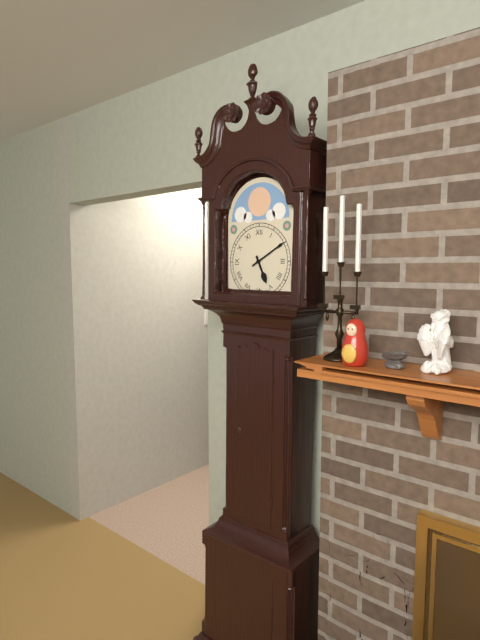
5,10
